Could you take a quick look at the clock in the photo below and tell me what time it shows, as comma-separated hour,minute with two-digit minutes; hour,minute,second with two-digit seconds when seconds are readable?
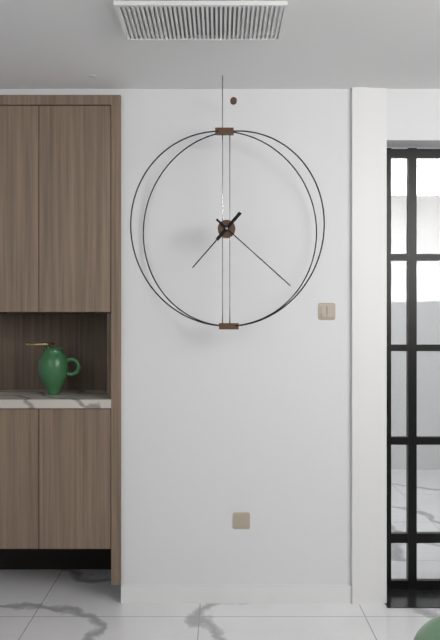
7,22
